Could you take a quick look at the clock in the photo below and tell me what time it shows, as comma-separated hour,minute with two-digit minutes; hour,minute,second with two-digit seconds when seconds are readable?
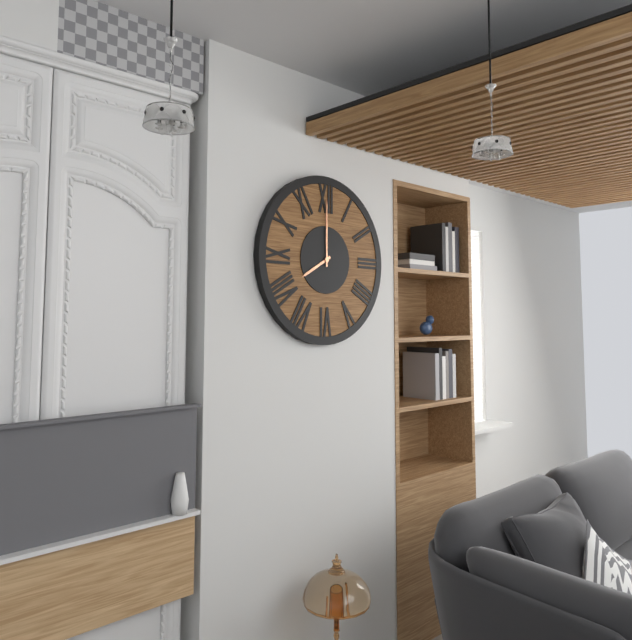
8,00
